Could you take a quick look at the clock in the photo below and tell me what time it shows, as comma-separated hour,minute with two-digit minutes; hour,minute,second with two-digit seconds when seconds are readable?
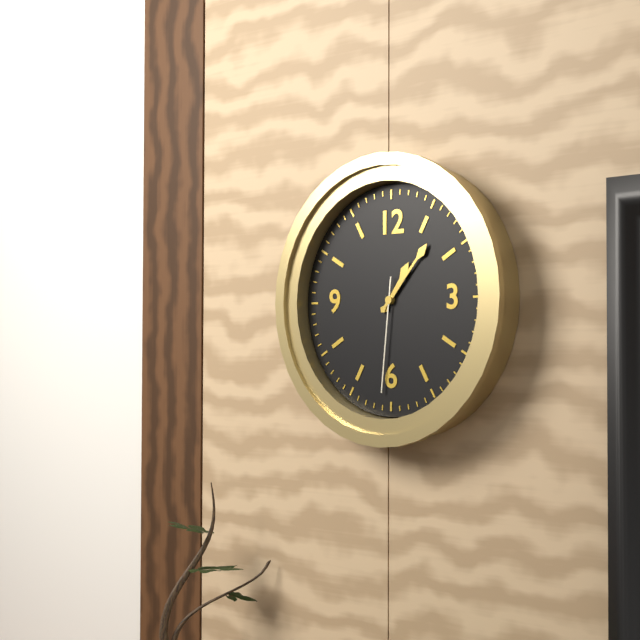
1,07,31
